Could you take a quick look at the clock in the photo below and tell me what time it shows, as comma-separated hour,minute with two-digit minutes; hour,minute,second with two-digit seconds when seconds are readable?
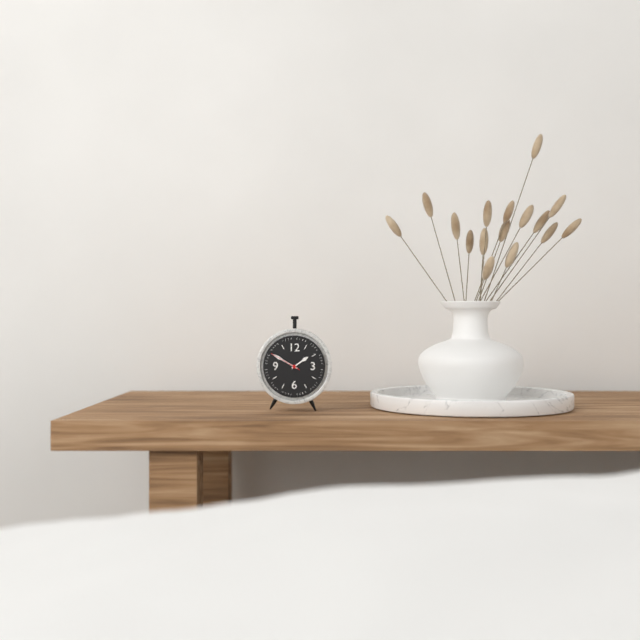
1,50
